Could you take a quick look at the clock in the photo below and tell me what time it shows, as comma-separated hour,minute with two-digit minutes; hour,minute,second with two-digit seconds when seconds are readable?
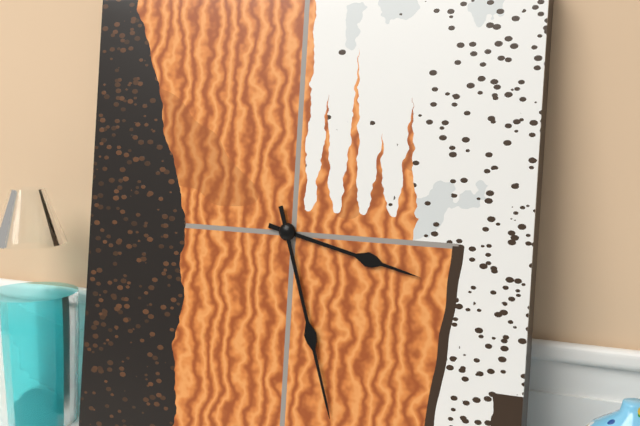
3,27
